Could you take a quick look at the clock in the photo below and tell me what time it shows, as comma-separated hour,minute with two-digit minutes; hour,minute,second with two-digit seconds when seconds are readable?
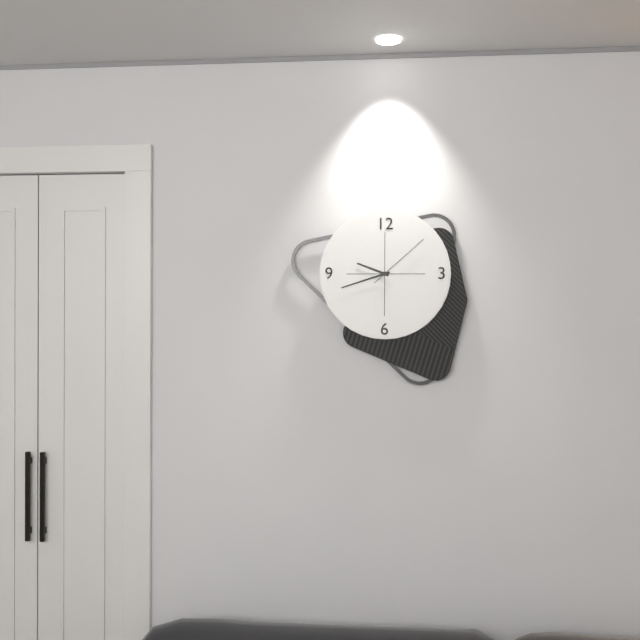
9,42,08
